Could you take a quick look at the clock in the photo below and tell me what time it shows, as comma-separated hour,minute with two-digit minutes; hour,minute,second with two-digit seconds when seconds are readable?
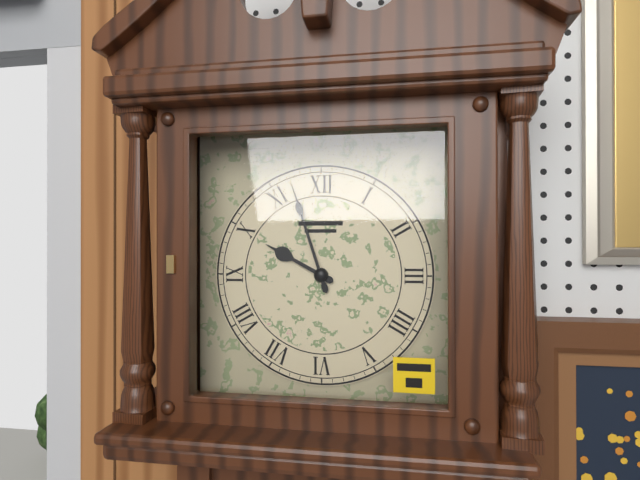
9,57
